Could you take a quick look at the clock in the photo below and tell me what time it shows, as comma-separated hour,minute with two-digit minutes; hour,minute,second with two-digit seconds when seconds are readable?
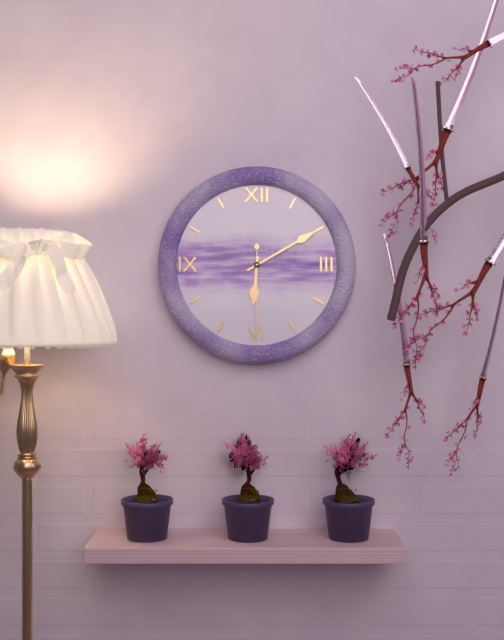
6,10,30
